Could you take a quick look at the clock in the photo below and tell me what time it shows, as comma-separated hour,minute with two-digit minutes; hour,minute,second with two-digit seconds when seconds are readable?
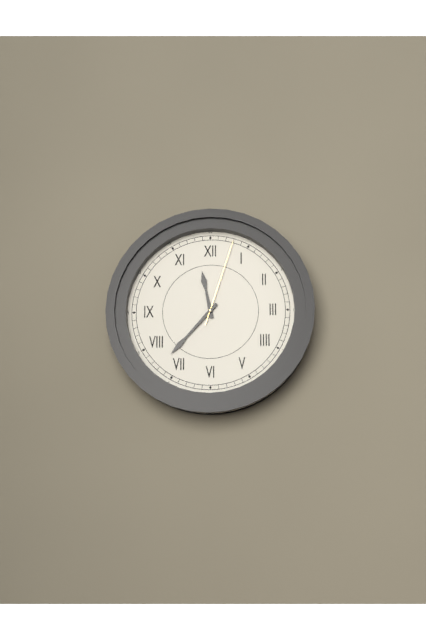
11,37,03
